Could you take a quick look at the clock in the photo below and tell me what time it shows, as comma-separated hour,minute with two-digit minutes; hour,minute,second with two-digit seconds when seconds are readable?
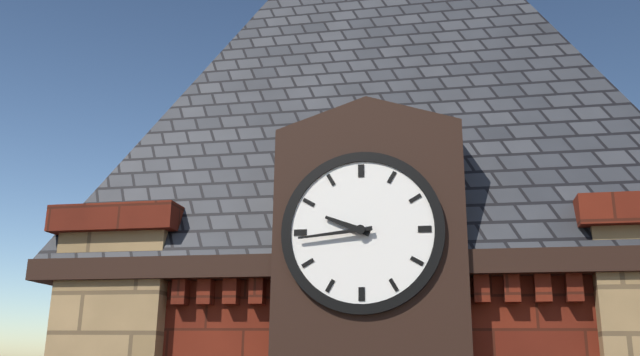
9,44
